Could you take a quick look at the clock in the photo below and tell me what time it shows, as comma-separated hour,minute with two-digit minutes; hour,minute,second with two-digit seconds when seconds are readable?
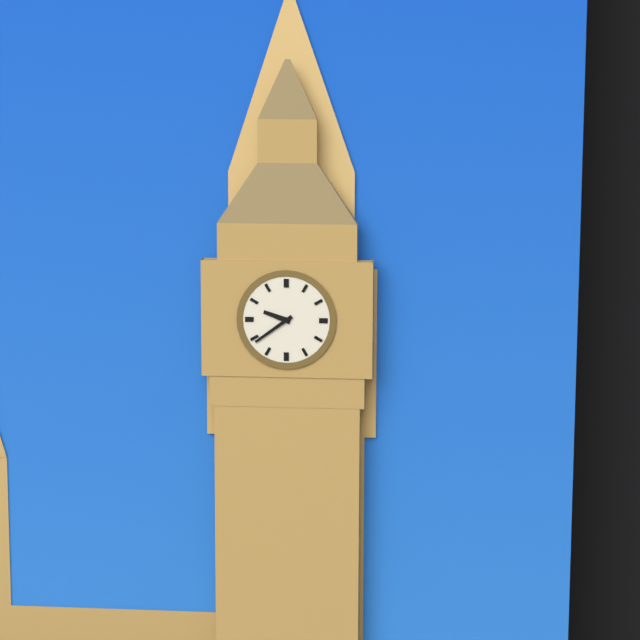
9,39
